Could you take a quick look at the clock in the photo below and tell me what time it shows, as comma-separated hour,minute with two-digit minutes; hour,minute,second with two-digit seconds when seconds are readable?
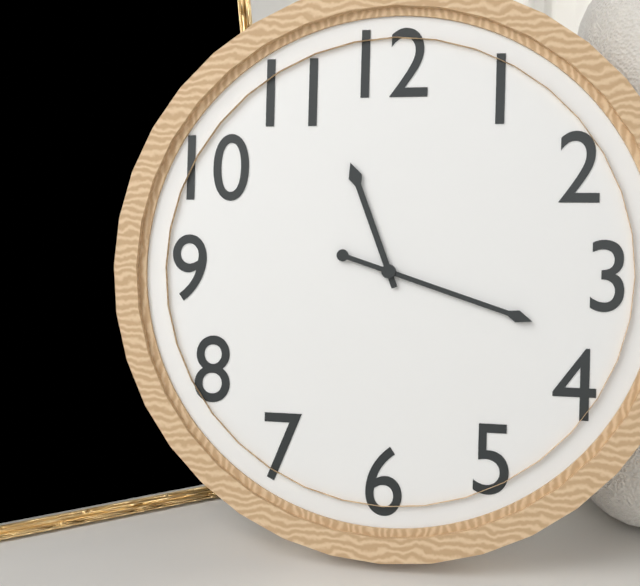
11,18
